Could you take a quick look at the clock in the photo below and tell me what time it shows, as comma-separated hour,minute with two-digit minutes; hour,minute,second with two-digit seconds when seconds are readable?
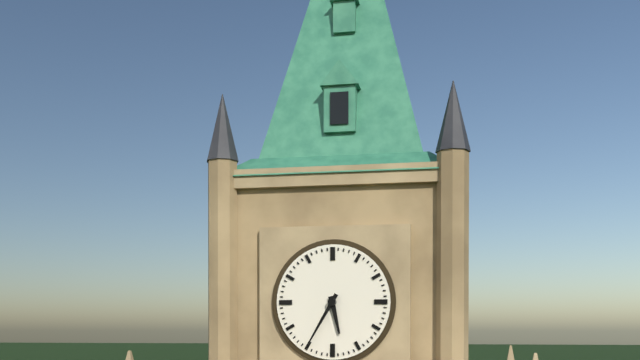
5,35
